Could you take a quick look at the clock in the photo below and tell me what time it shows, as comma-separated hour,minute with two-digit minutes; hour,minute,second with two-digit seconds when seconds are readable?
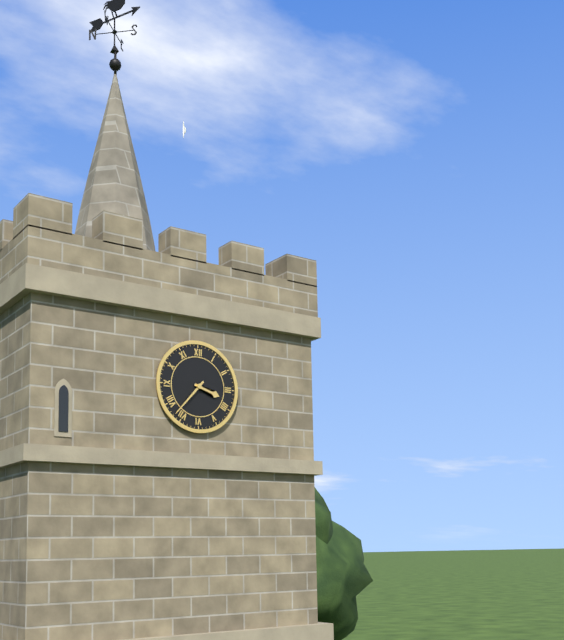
3,37
